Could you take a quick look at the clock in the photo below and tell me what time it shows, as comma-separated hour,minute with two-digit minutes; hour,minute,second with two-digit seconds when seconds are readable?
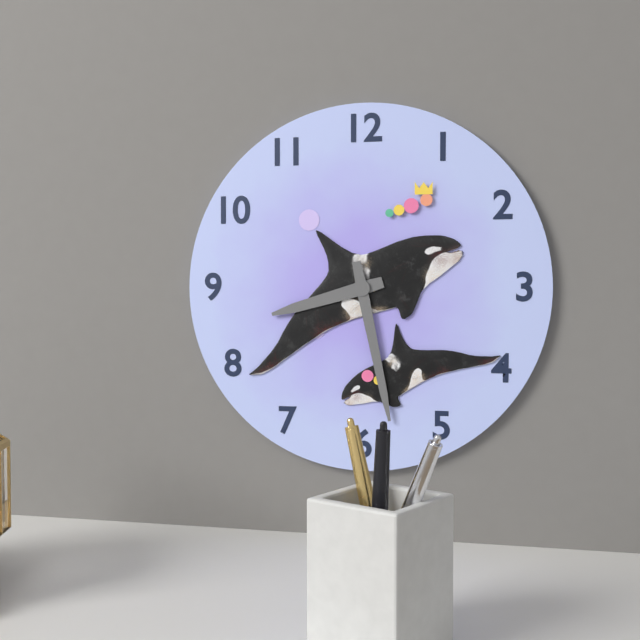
8,28
